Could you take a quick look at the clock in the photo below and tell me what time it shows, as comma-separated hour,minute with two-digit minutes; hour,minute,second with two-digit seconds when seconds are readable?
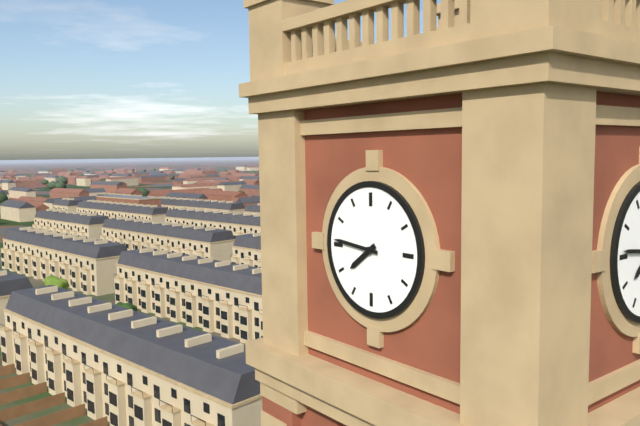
7,46
